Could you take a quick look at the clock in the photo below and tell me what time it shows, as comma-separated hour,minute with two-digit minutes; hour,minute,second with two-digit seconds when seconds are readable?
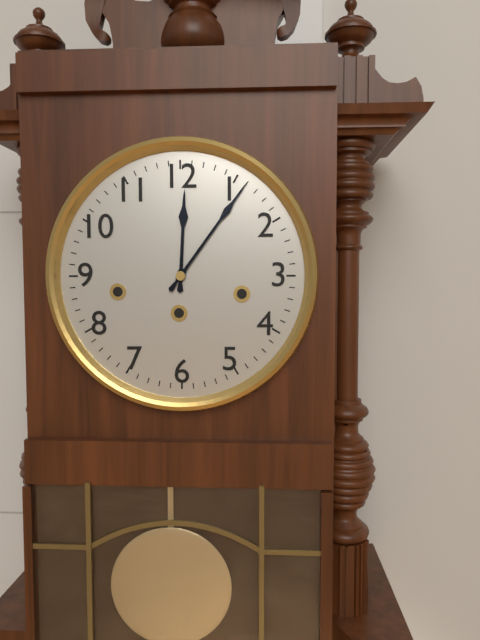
12,06
